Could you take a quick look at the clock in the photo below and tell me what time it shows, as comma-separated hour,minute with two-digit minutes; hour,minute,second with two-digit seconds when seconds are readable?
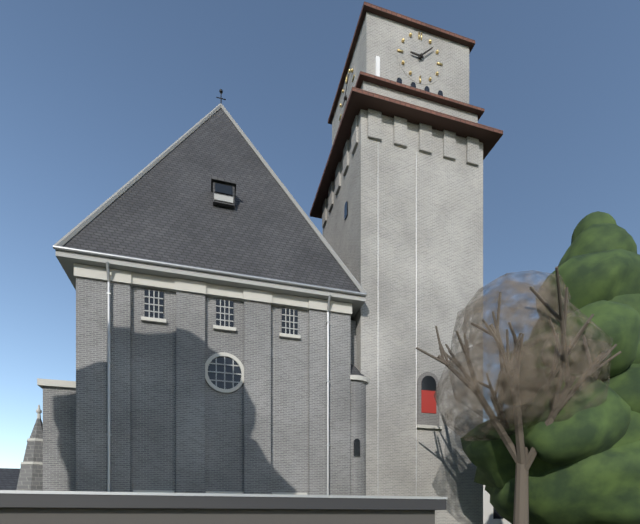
9,08
